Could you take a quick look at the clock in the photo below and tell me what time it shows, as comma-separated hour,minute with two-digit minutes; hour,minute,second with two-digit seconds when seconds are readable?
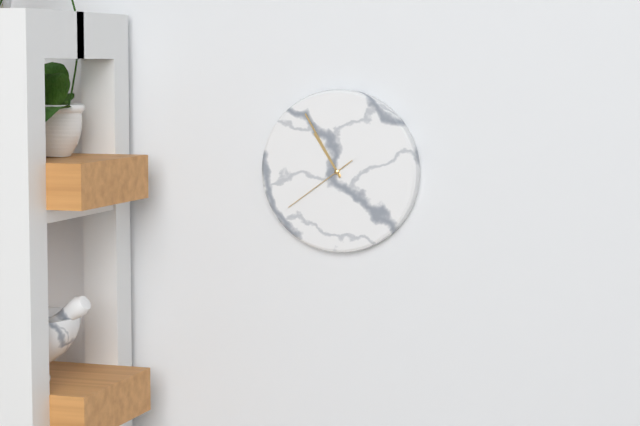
10,55,39
